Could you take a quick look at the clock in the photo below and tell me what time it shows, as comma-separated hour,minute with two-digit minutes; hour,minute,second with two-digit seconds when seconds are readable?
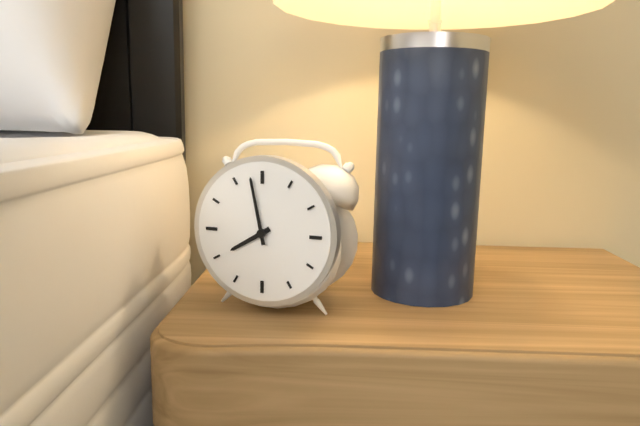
7,58
